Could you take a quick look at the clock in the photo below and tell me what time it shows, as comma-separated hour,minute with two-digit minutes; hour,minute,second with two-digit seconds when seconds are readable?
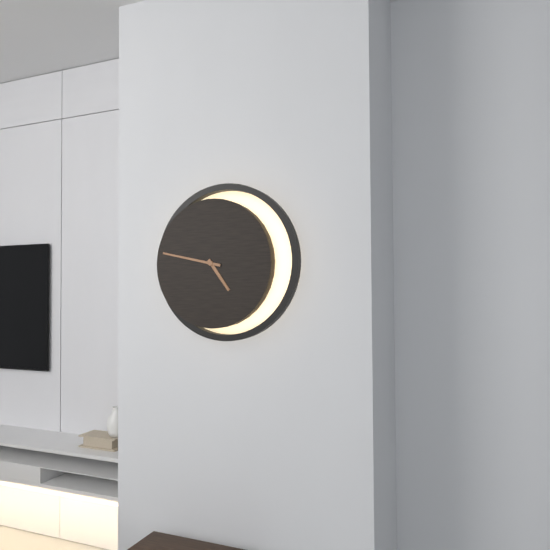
4,47
